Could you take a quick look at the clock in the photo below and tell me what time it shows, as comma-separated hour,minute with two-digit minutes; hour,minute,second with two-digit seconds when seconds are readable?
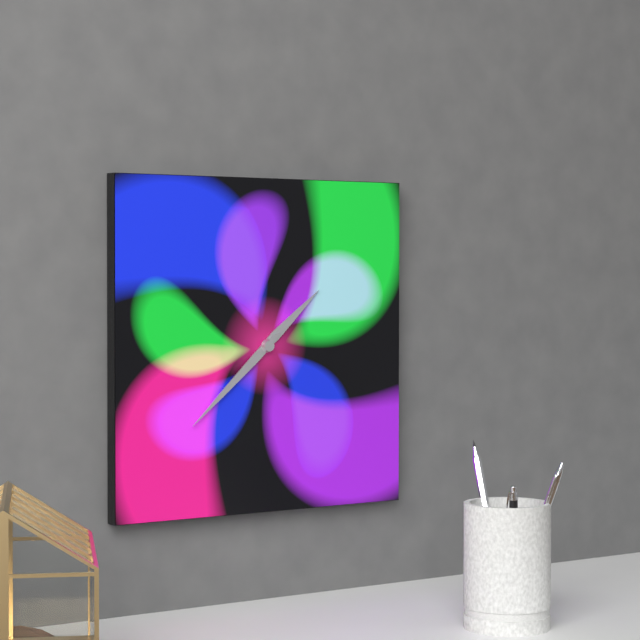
1,38
